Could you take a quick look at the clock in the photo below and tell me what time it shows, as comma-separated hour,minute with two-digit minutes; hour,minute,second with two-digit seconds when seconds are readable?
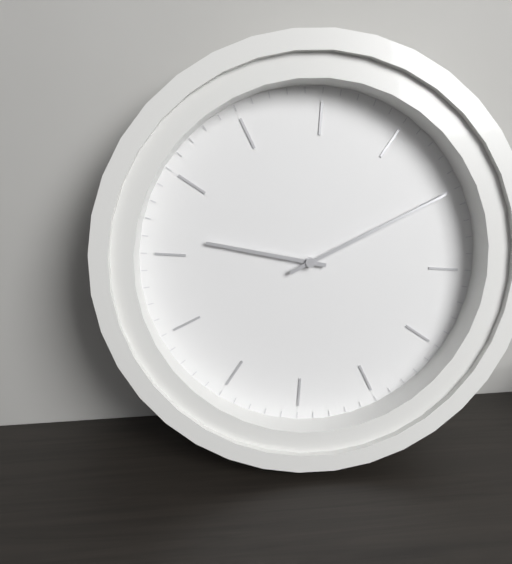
10,15
